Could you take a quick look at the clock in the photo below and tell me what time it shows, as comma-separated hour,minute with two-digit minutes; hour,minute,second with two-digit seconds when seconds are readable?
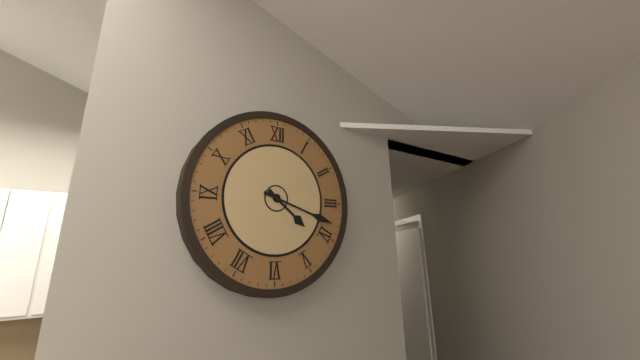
4,18
